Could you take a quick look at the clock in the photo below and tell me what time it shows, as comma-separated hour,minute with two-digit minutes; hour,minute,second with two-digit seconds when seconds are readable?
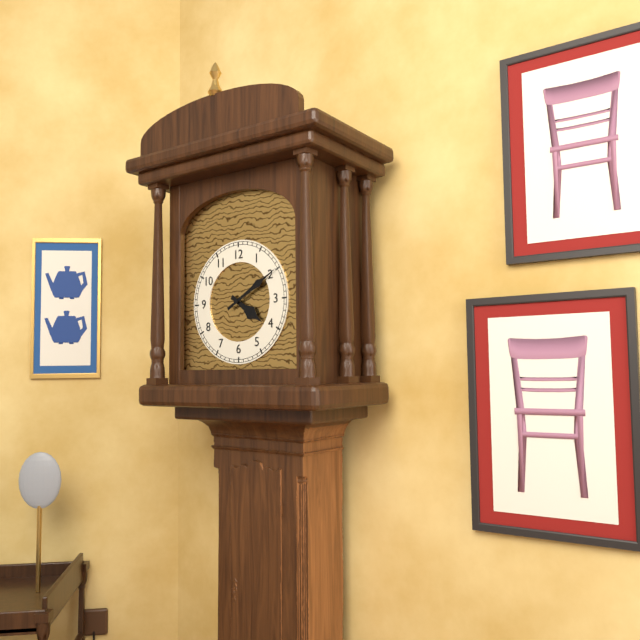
4,10
